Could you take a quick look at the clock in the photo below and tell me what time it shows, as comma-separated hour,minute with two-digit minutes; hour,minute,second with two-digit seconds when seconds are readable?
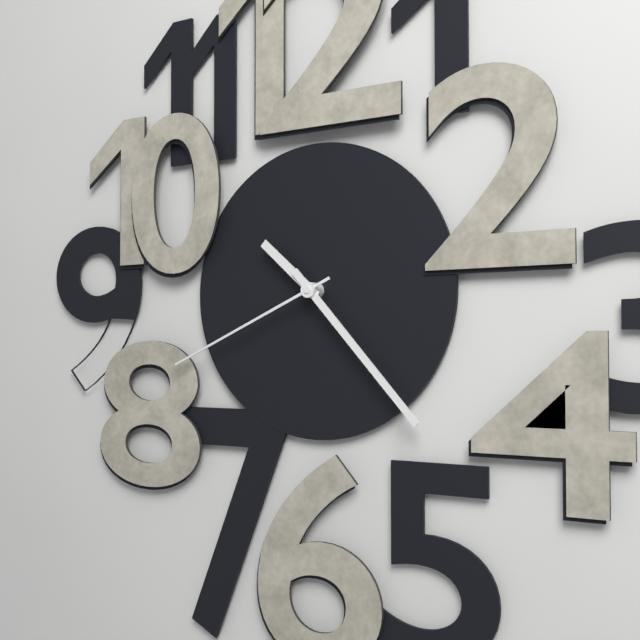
10,23,41
